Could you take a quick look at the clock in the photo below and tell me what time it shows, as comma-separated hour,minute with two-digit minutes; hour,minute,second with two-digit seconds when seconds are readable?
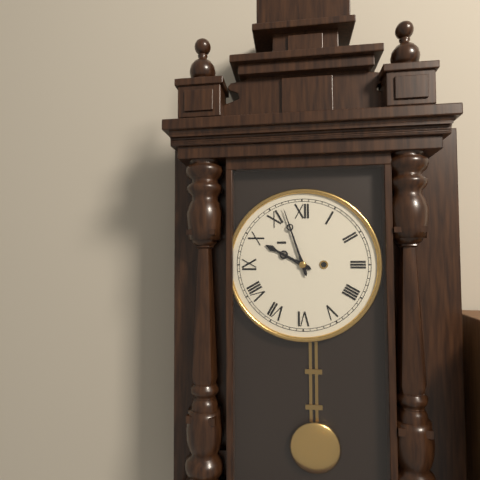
9,57
